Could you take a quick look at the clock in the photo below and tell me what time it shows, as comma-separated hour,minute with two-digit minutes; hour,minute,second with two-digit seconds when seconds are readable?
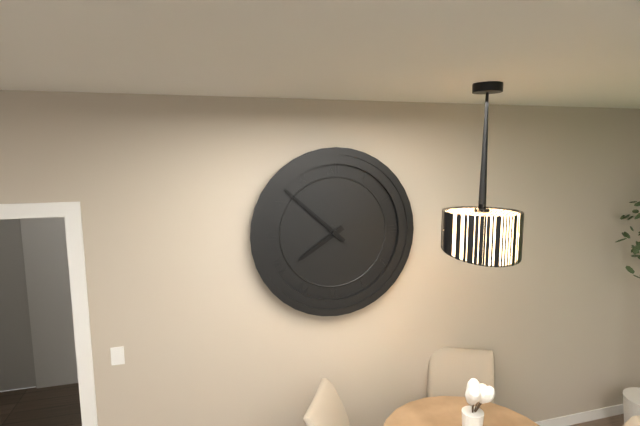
7,52
